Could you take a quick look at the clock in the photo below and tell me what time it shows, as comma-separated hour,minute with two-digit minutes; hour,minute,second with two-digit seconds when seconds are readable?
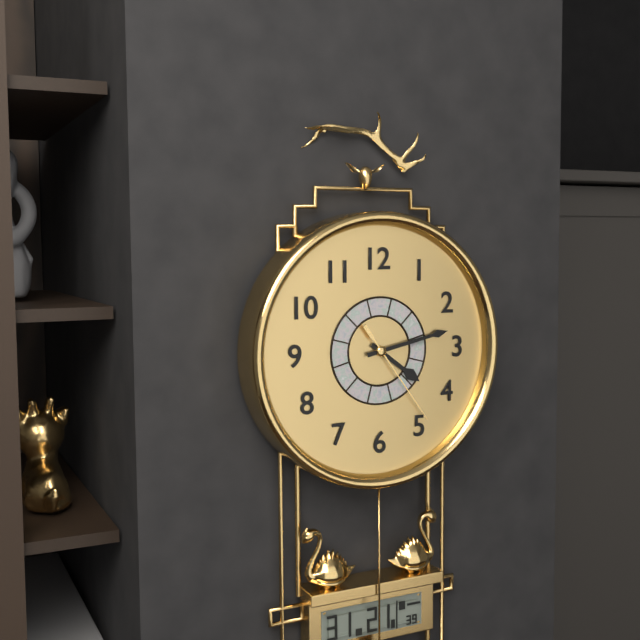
4,13,24
